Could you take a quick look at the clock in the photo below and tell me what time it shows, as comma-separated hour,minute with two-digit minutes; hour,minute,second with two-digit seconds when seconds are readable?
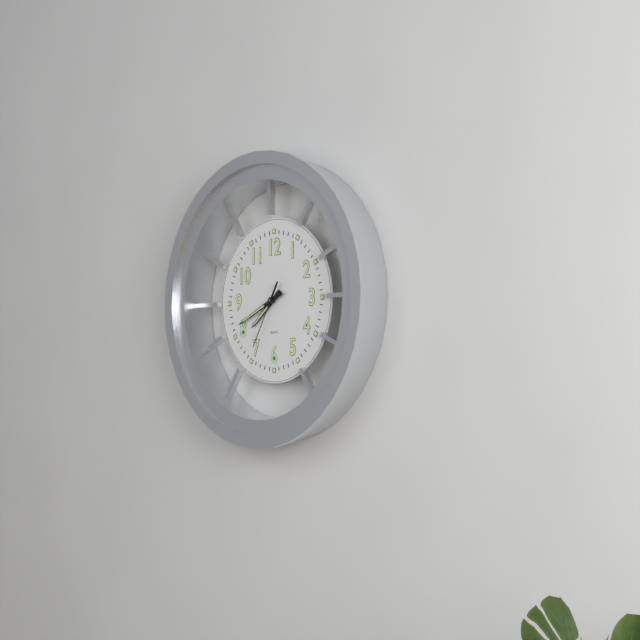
7,41,35
